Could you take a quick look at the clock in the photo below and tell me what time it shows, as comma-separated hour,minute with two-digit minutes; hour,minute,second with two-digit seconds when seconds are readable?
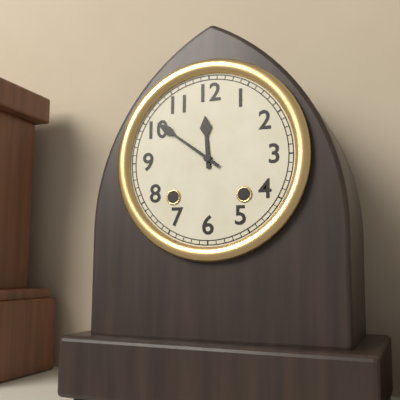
11,51
